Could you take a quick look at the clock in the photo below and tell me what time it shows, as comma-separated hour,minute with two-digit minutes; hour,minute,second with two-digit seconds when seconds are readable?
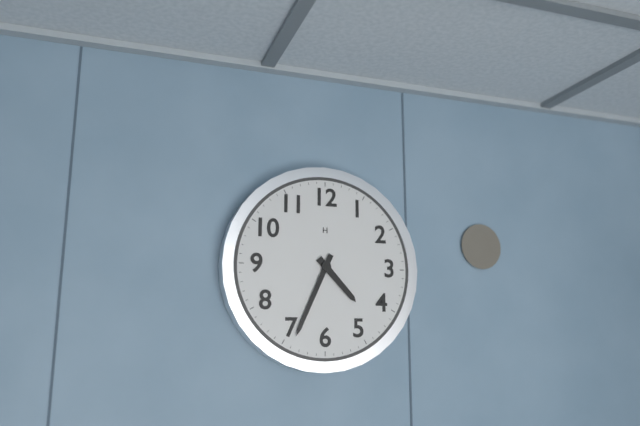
4,34
